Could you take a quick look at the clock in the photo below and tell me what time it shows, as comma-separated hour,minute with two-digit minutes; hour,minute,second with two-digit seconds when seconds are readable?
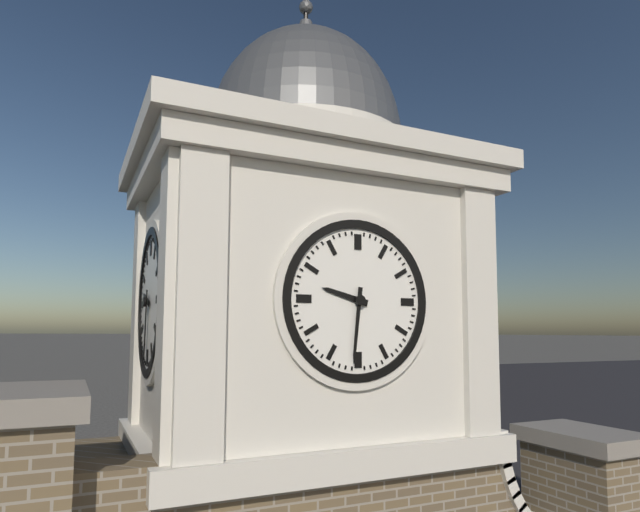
9,31
